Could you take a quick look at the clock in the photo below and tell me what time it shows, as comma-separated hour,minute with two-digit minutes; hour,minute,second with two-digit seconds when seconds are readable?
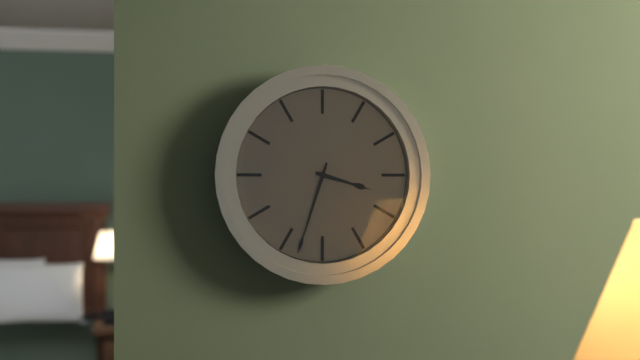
3,33
